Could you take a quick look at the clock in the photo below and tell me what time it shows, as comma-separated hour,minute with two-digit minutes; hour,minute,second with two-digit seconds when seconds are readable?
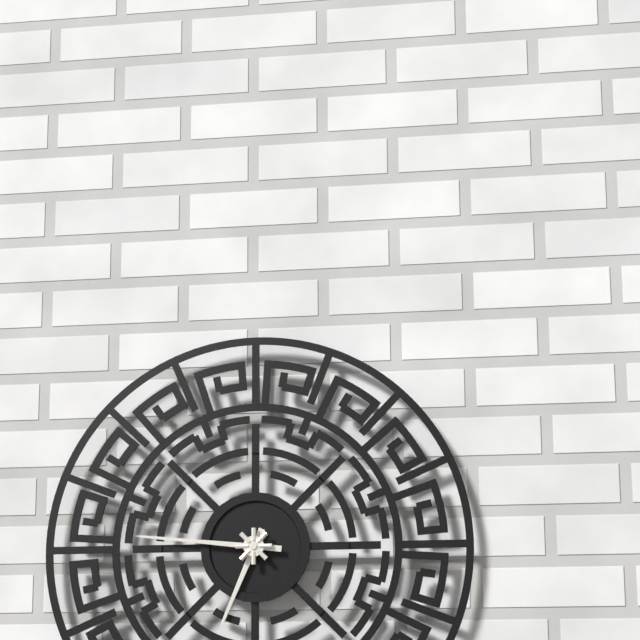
6,46
